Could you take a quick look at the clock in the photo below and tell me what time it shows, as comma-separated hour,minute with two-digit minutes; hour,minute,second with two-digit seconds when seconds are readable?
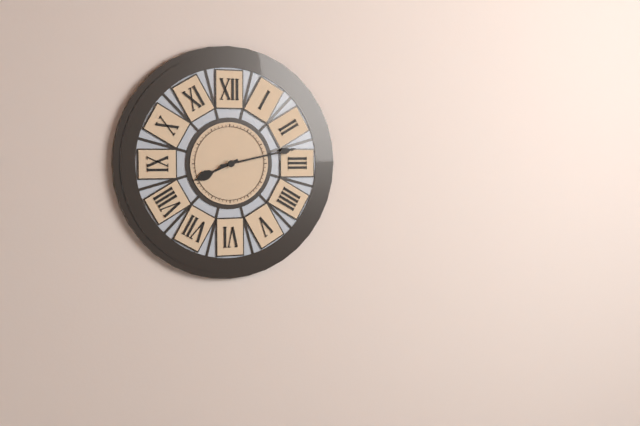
8,13
